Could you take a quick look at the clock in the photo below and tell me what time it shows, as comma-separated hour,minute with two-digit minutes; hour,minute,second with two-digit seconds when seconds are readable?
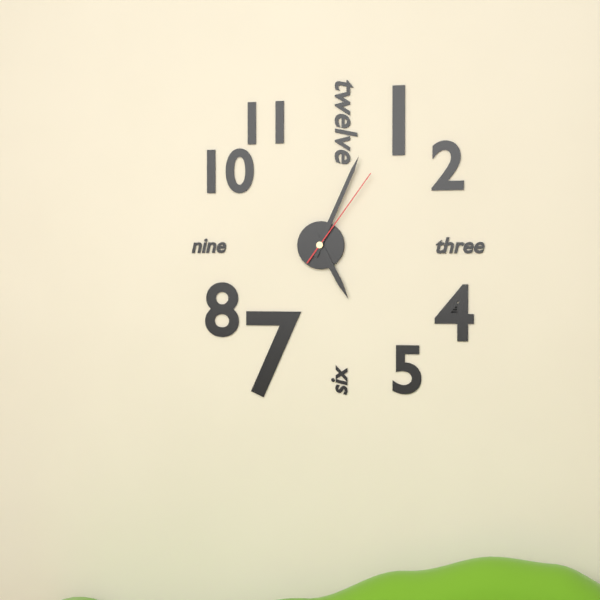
5,04,06
